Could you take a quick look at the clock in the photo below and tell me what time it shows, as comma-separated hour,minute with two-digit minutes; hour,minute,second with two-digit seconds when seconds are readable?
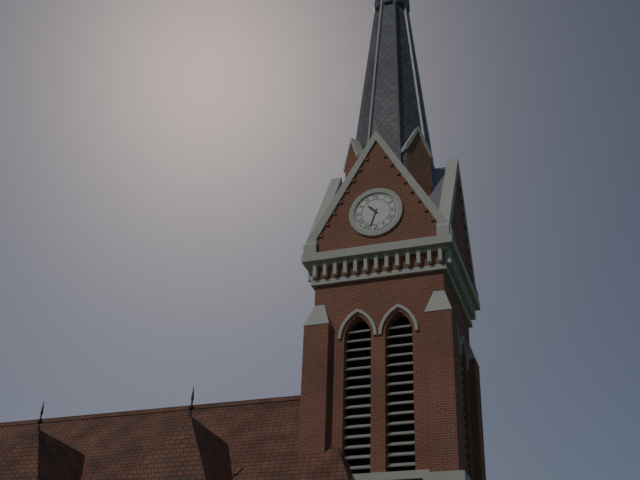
10,33
